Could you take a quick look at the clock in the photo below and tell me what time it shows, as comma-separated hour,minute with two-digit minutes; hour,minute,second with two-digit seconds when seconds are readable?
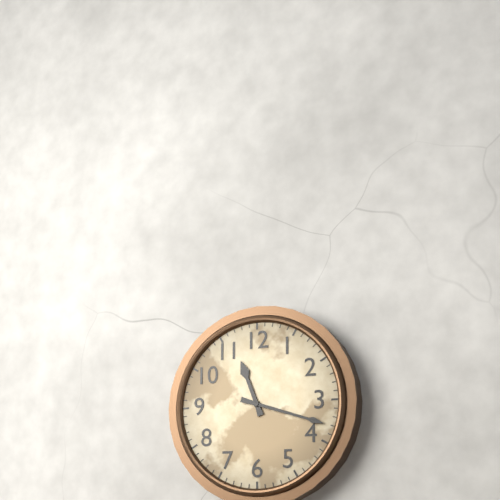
11,18
